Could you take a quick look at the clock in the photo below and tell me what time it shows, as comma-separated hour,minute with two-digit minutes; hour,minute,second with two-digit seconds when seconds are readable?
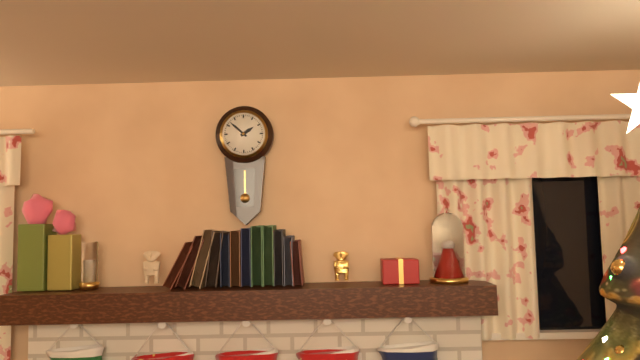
1,52
